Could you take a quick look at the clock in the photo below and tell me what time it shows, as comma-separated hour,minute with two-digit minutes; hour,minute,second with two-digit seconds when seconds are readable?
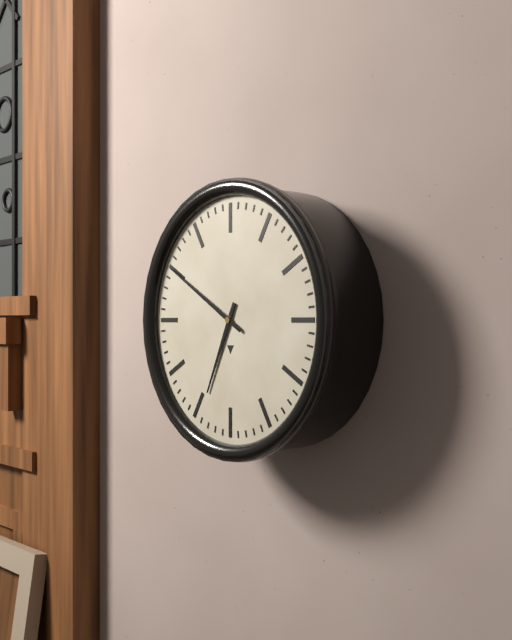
6,50
